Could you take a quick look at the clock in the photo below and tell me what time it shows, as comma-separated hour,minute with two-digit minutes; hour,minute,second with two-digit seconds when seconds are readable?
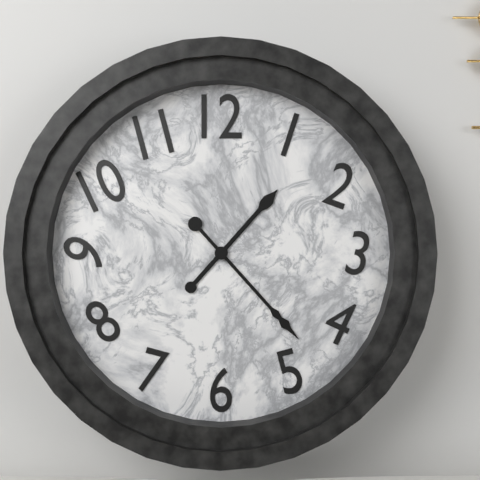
1,23
